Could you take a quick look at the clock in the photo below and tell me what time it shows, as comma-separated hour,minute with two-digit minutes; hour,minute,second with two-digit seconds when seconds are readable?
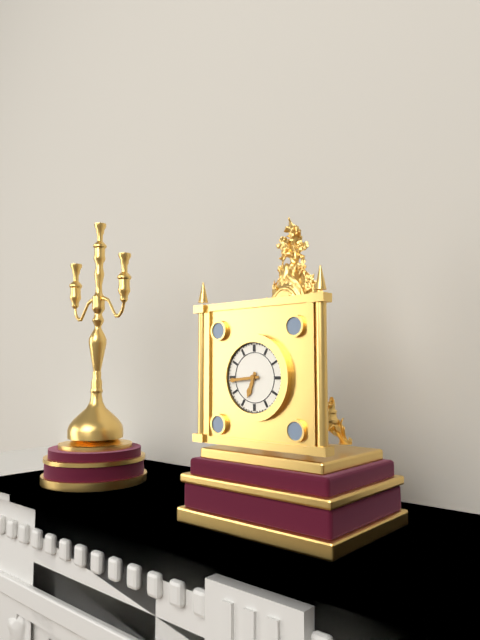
6,44
